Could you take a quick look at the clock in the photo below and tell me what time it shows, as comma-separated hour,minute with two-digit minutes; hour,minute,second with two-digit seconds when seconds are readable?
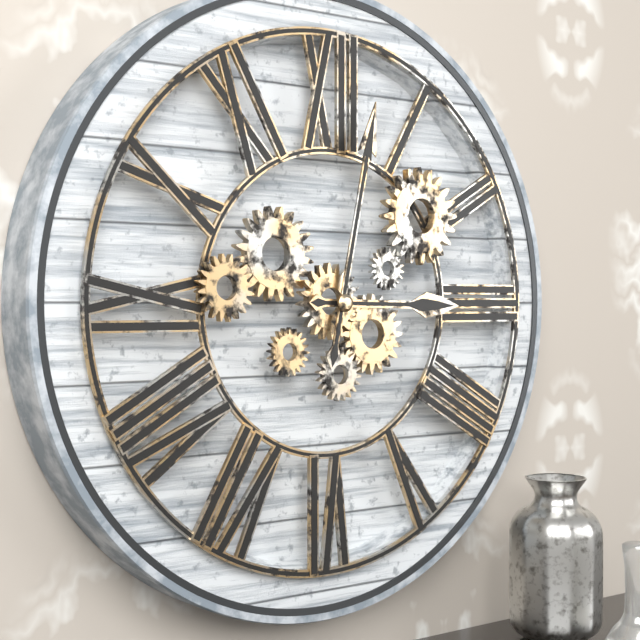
3,02
